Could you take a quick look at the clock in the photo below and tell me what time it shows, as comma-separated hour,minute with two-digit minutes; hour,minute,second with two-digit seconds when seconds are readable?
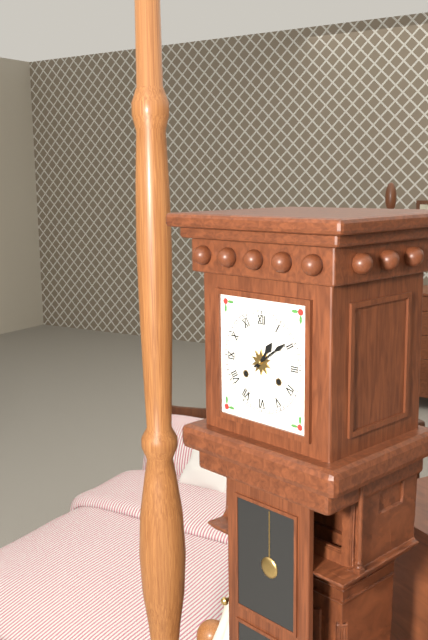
1,09
